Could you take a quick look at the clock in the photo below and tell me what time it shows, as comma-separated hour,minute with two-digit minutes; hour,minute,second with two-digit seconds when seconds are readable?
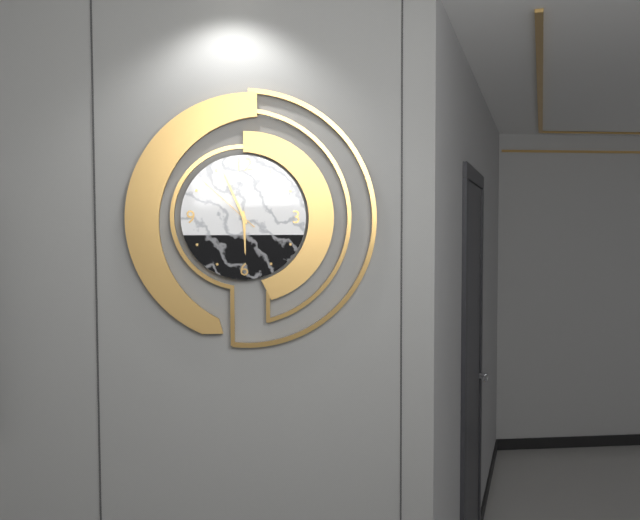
5,56,52
